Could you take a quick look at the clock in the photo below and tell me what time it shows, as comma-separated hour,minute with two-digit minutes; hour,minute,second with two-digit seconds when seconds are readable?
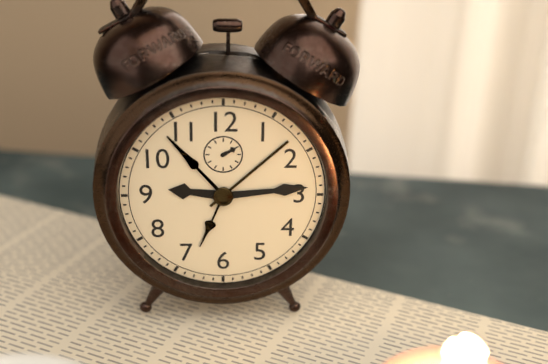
9,14
